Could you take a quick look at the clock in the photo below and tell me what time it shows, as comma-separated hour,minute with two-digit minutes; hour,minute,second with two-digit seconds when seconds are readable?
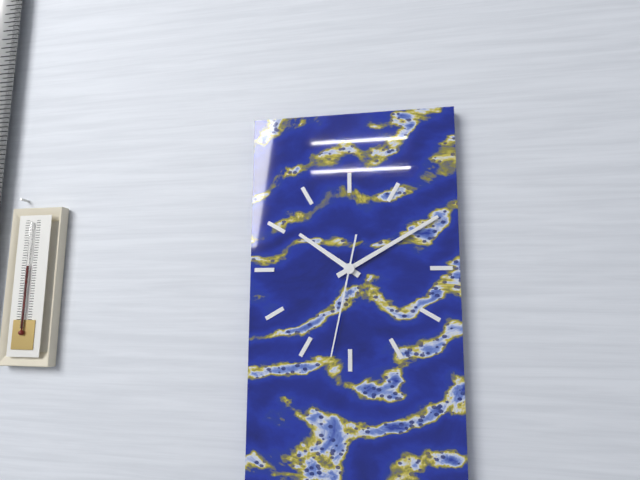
10,10,32
